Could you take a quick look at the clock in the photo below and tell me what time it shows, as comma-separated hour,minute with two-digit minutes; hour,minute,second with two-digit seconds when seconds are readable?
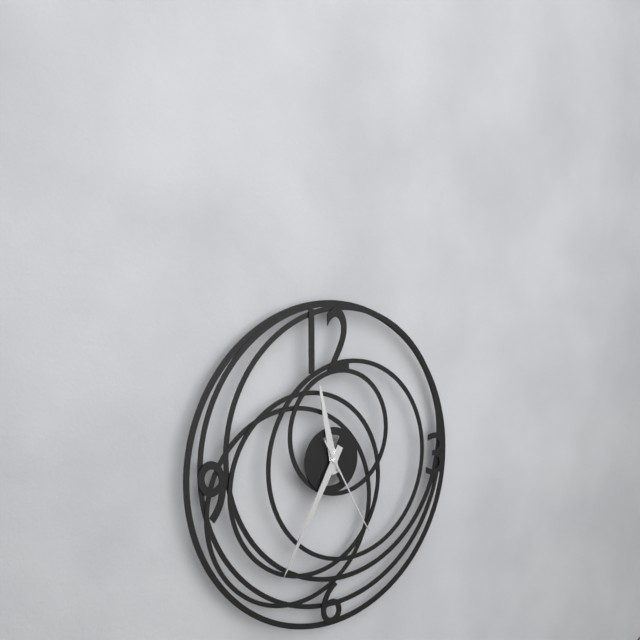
11,35,25
